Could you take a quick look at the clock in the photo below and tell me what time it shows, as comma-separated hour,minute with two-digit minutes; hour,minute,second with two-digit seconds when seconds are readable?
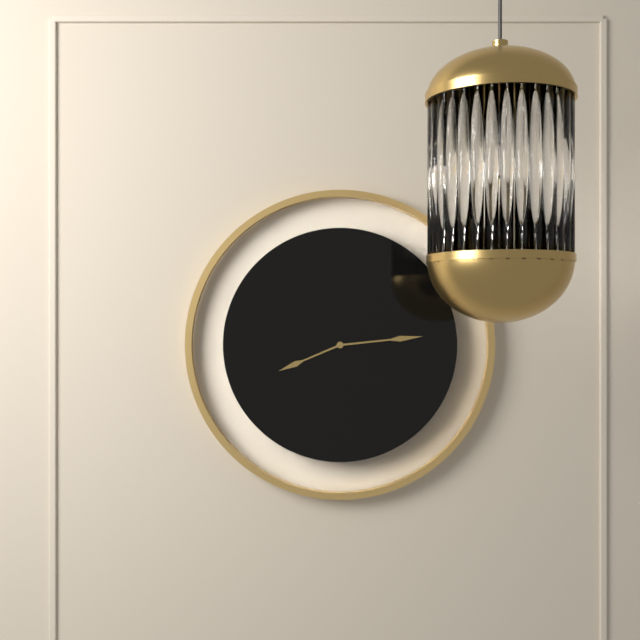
8,14
